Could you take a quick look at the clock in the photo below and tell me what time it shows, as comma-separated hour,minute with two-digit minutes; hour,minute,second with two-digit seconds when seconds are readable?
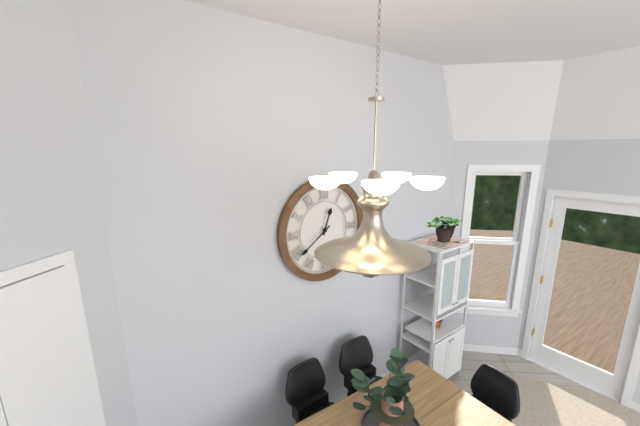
12,39
